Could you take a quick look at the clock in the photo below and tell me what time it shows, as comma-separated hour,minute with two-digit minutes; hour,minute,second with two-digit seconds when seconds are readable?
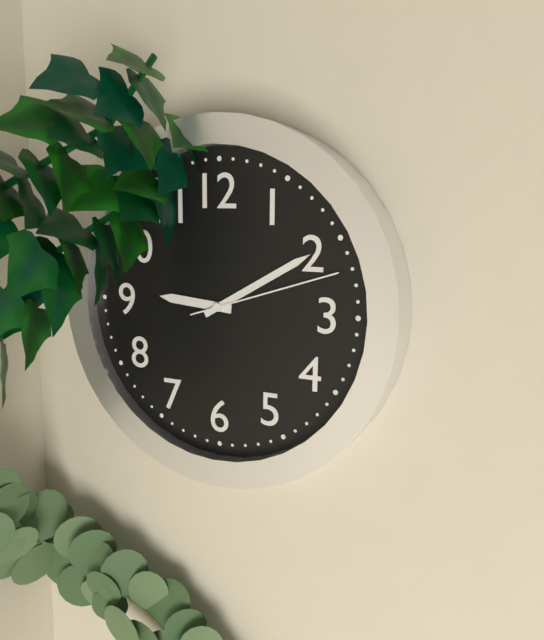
9,10,12
